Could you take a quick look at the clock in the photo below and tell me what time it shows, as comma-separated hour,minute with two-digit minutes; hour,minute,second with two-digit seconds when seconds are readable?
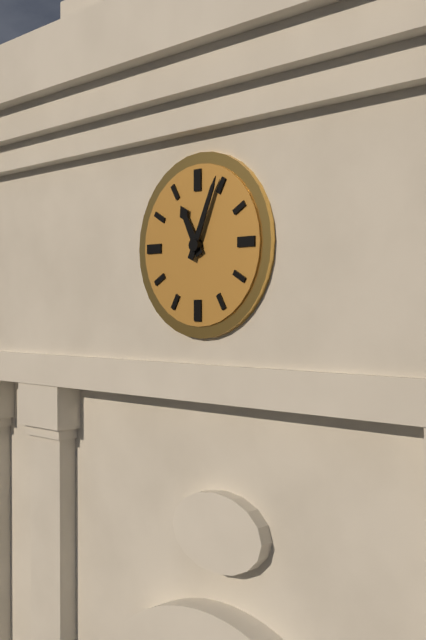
11,04
